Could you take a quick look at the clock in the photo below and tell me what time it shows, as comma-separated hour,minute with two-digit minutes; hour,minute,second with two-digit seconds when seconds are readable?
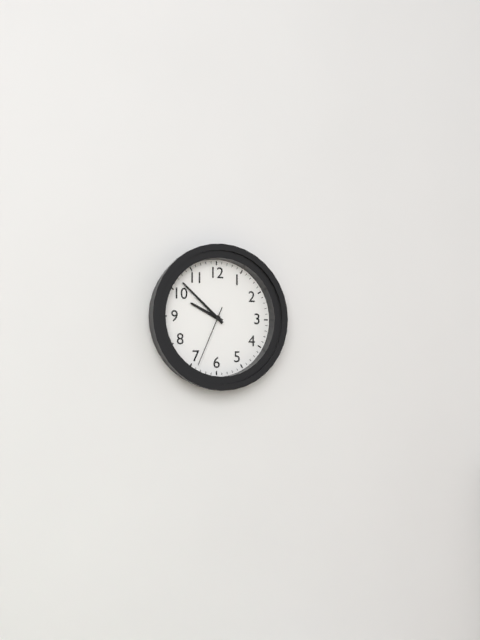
9,52,34
